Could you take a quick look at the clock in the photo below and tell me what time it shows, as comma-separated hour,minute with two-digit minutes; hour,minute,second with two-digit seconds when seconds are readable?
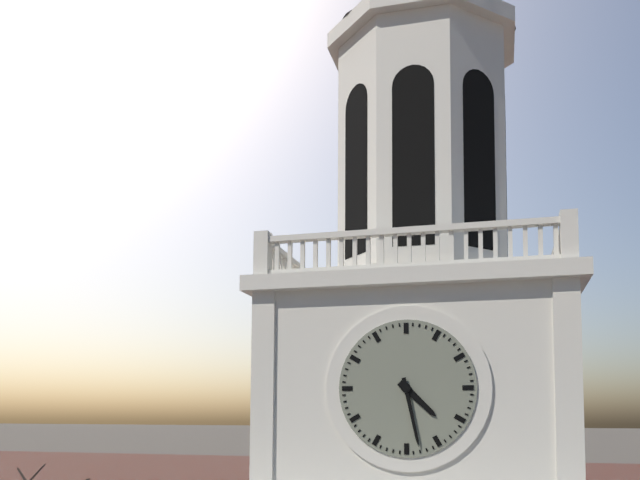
4,28
